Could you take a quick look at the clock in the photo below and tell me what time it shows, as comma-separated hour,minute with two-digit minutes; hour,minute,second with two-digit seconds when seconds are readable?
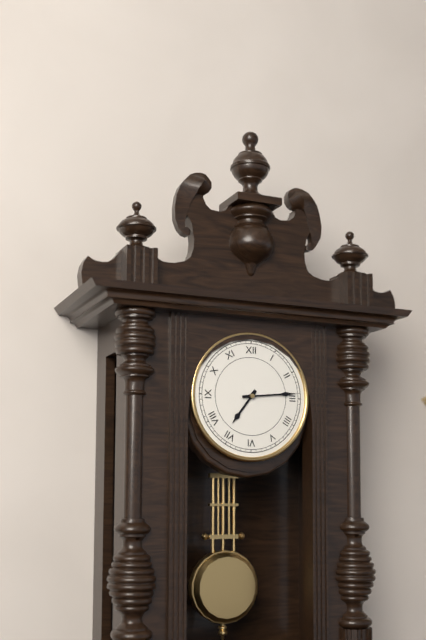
7,14
